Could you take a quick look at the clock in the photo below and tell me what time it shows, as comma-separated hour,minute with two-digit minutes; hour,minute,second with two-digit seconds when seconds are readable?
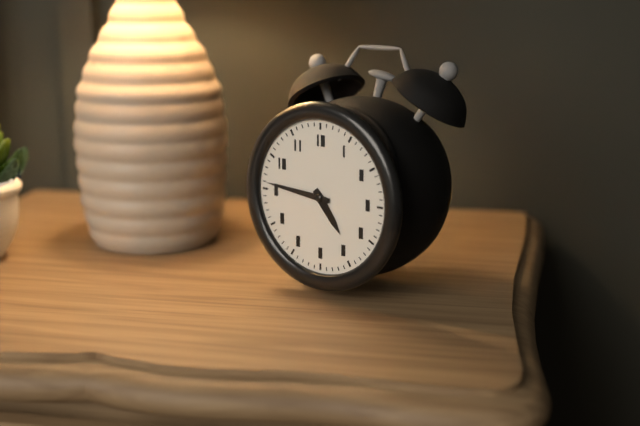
4,46
